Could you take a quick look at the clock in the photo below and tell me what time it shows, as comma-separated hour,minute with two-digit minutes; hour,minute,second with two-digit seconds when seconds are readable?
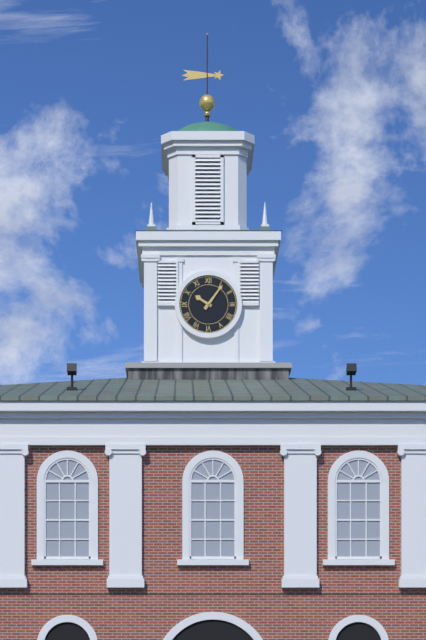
10,06
